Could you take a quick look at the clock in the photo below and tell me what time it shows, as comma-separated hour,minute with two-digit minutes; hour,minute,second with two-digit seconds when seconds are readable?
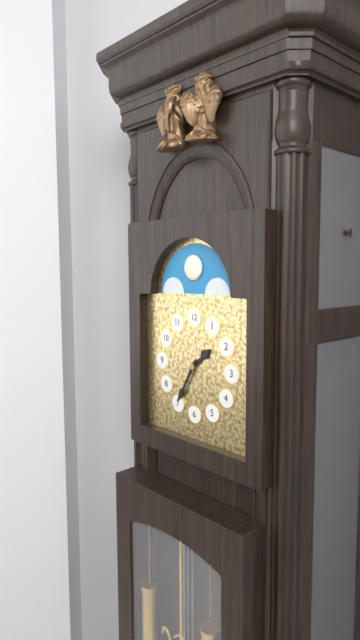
1,35
